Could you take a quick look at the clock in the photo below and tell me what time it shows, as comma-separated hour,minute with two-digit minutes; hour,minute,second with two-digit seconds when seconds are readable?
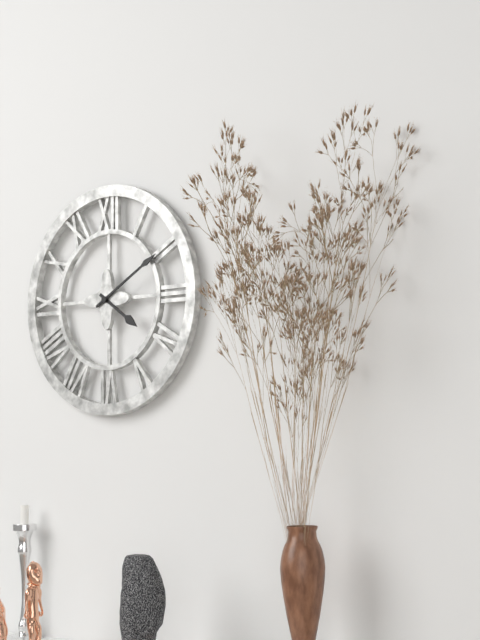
4,10
